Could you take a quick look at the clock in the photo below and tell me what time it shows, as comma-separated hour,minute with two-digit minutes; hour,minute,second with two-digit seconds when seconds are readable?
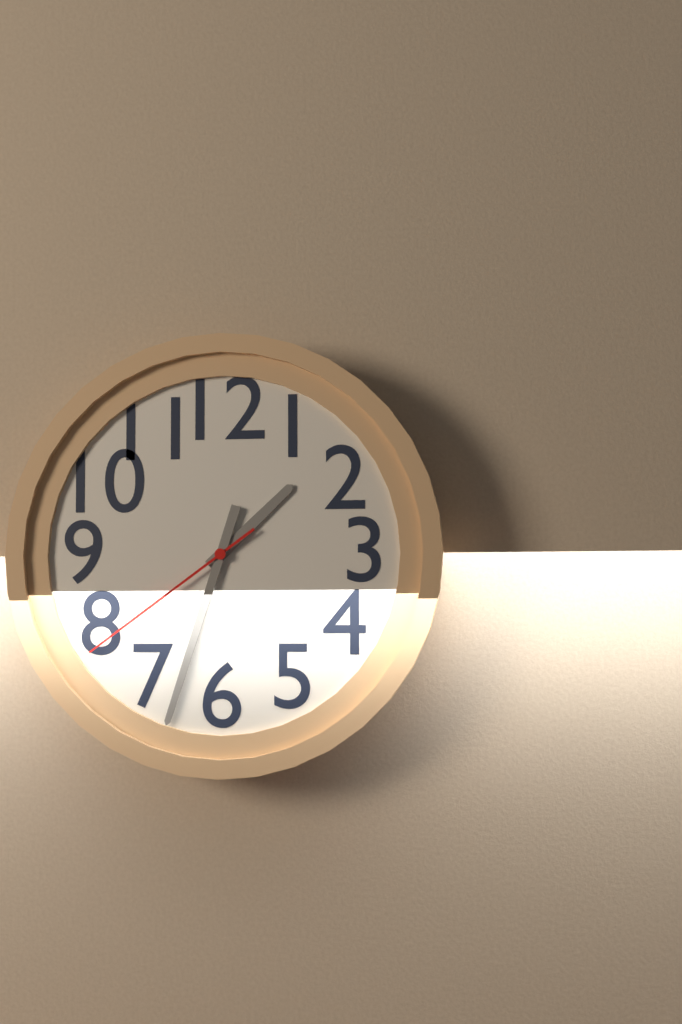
1,33,39
